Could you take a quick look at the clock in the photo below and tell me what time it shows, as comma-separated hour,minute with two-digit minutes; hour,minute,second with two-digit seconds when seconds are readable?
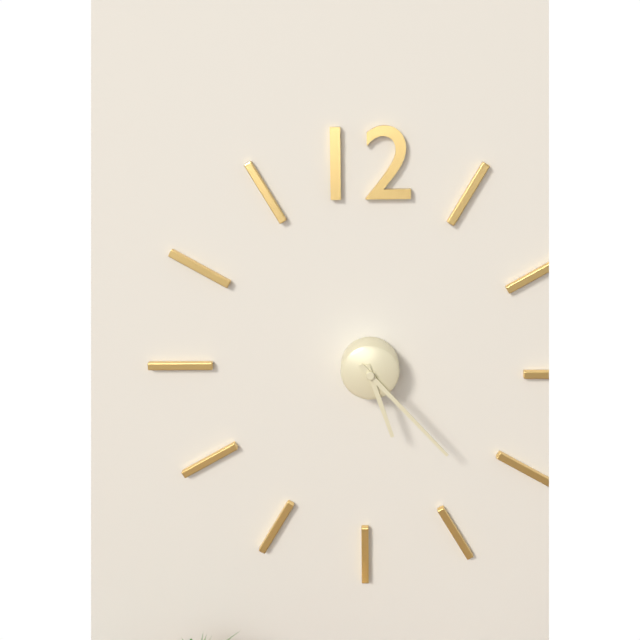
5,23
